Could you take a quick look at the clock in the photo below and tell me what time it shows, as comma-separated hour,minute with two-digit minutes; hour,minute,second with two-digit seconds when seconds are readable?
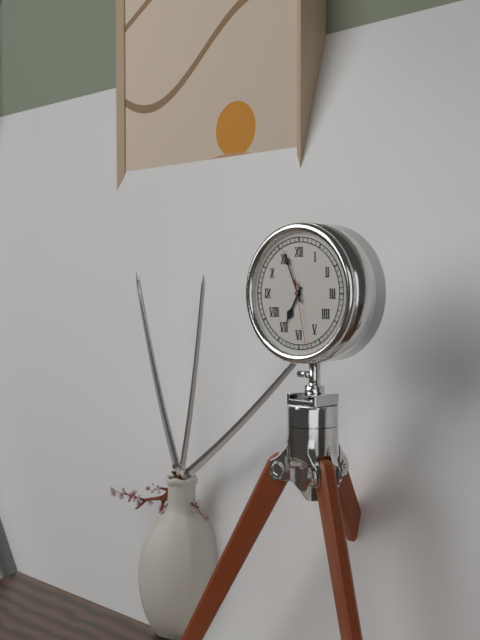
6,56,28
